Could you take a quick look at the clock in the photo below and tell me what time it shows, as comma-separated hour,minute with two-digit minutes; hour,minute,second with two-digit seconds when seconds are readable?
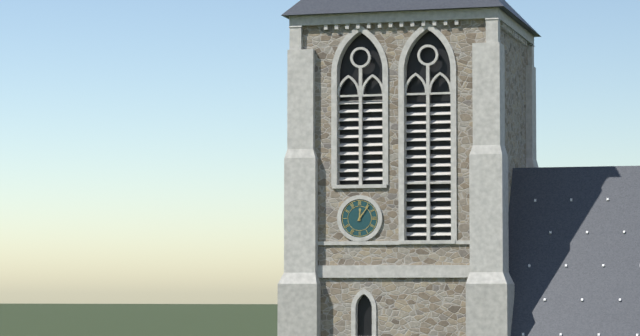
12,06
